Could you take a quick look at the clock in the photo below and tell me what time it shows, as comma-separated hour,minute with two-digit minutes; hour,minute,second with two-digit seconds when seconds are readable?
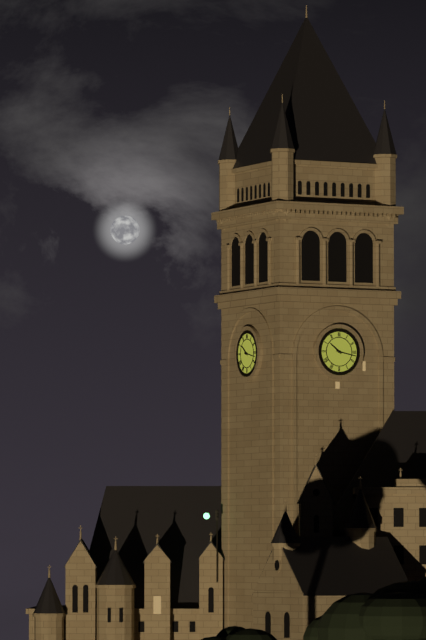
10,17
